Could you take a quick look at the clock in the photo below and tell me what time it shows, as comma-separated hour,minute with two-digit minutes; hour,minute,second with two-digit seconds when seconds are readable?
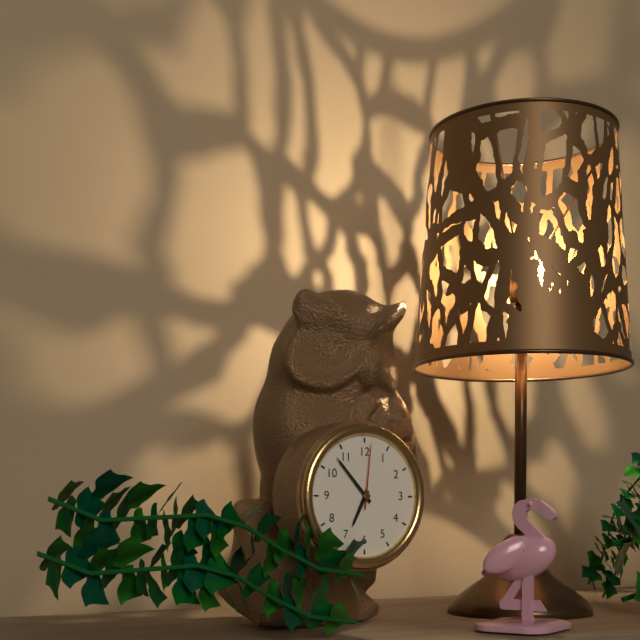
6,53,01
